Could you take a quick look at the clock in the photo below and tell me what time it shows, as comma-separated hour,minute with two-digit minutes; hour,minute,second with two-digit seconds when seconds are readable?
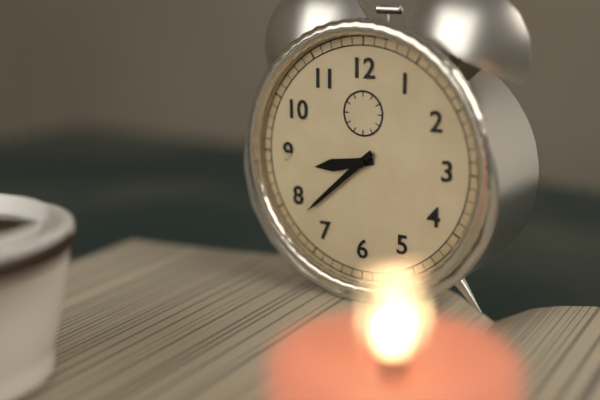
8,38
